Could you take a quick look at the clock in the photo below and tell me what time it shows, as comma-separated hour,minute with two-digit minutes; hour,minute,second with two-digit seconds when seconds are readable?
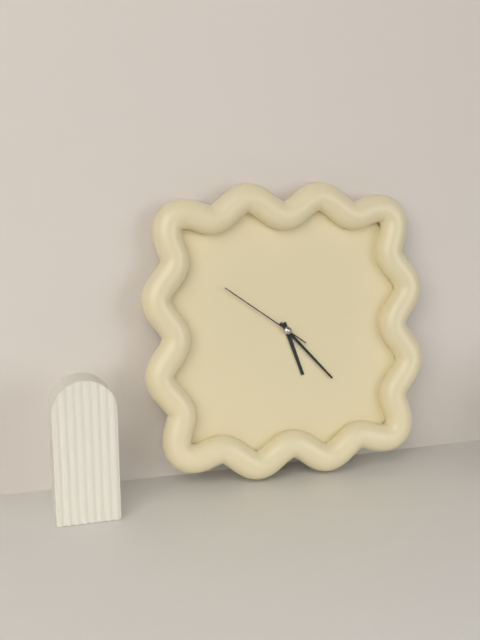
5,23,51
